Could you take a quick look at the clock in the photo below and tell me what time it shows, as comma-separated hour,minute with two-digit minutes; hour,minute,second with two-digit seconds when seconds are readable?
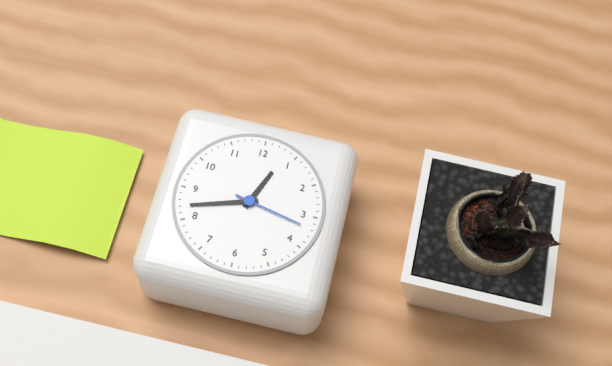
12,42,17
